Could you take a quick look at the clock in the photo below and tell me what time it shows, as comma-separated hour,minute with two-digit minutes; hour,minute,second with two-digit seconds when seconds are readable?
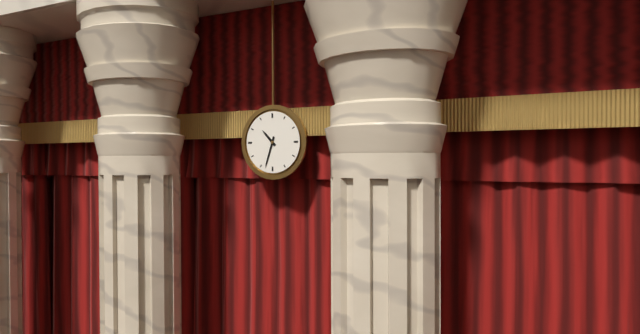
10,33
